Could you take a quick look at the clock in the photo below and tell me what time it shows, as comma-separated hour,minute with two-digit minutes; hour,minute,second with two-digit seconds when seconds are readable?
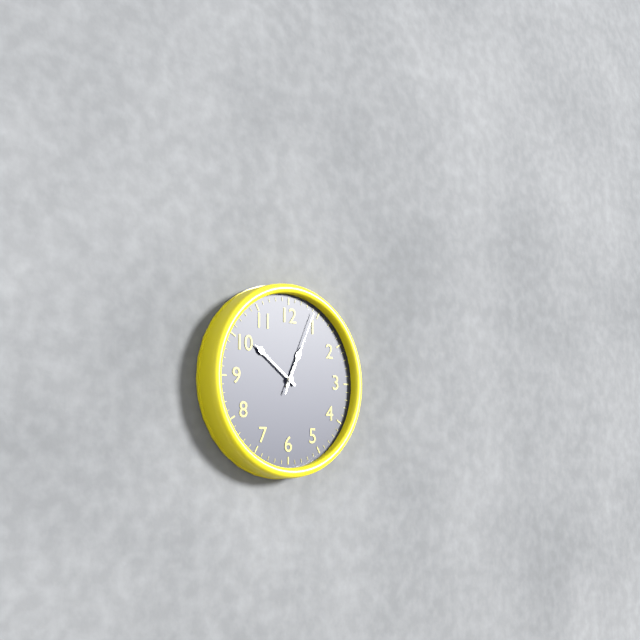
12,51,04
